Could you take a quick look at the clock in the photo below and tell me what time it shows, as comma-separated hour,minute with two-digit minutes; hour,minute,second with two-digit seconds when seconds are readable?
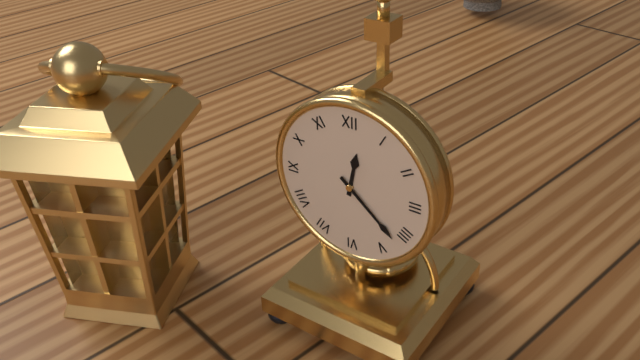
12,22
